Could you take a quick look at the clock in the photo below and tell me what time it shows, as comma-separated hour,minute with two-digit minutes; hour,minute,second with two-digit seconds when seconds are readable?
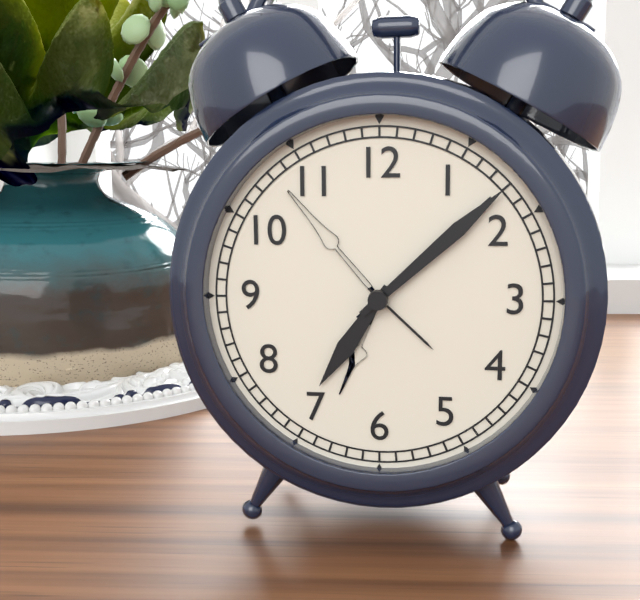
7,08
